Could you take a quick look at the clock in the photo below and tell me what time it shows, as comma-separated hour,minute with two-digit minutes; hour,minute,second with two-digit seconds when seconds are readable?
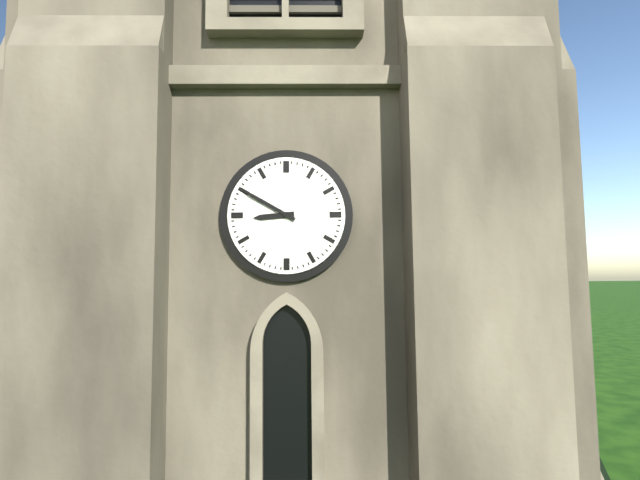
8,50
